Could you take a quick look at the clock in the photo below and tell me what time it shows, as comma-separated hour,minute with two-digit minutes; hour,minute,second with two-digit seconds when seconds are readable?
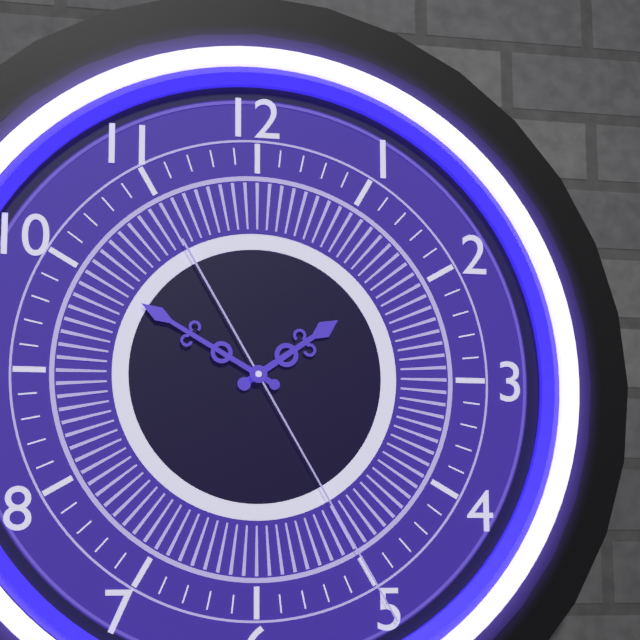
1,50,25
